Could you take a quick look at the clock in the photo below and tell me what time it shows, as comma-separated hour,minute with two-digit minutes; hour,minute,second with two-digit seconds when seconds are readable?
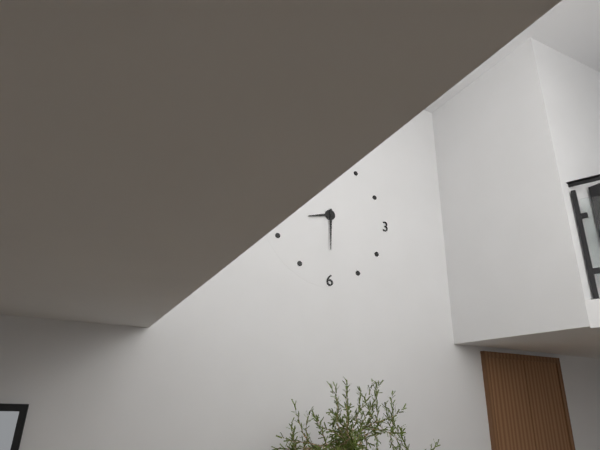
8,30
